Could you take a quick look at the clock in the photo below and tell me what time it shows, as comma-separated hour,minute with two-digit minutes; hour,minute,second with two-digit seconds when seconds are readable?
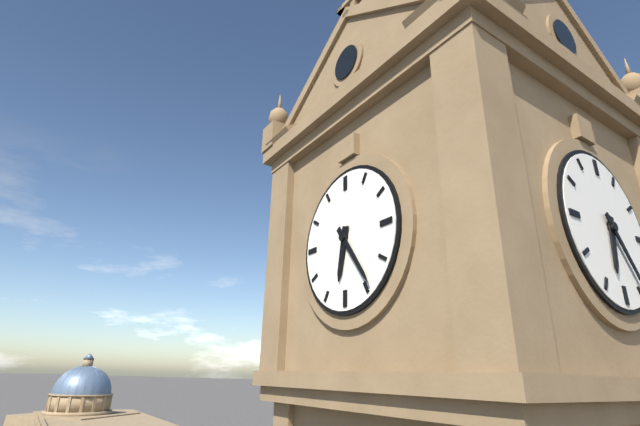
6,24
